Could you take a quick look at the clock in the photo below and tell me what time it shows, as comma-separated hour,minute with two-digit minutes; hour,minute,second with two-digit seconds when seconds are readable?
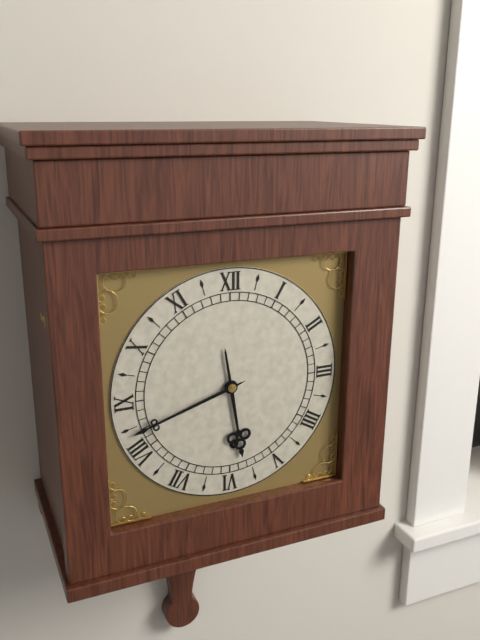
5,42
